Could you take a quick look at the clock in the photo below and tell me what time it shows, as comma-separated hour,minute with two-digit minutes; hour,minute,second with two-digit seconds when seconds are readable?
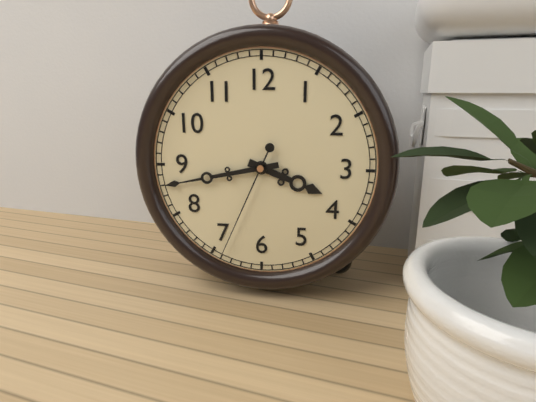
3,43,34
